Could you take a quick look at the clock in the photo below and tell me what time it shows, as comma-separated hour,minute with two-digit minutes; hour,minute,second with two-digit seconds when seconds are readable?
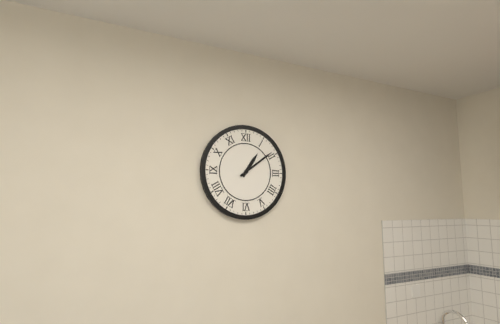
1,09
